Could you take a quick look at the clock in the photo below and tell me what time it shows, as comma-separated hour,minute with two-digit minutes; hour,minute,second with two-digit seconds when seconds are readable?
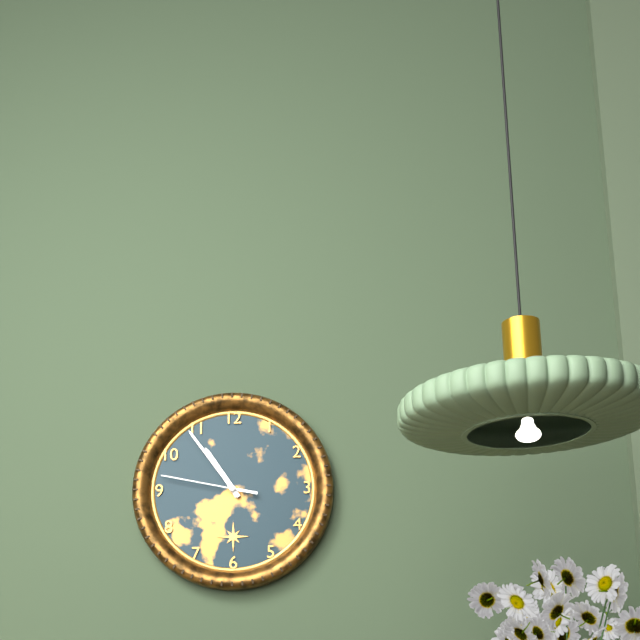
10,54,47
